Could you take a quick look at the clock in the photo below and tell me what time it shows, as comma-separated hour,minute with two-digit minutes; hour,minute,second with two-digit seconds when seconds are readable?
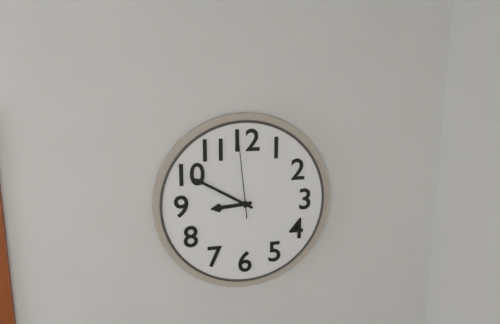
8,50,59
